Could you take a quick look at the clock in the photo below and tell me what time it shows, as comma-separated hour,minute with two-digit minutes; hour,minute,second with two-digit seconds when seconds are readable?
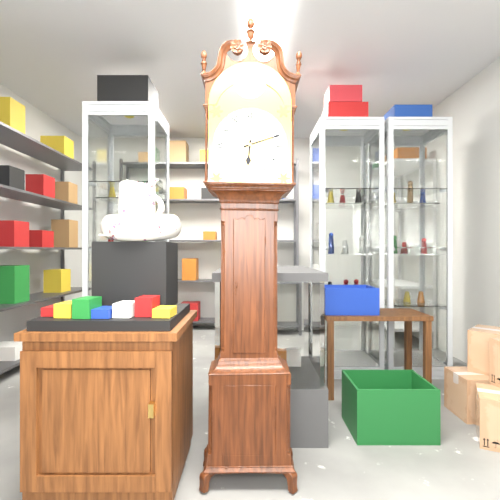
6,12
